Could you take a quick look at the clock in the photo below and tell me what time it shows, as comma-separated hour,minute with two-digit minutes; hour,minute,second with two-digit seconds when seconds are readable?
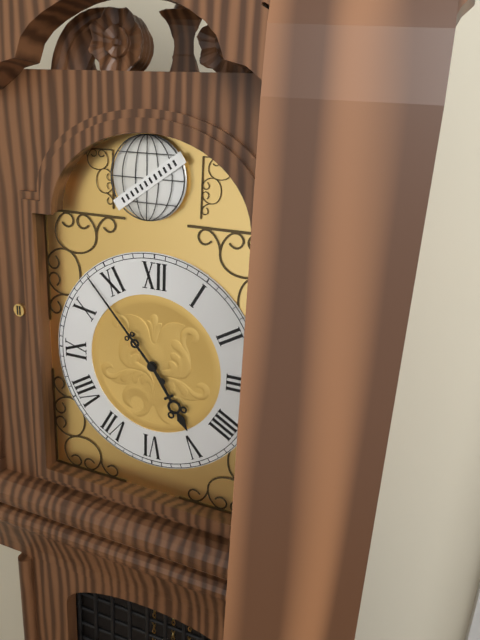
4,53
